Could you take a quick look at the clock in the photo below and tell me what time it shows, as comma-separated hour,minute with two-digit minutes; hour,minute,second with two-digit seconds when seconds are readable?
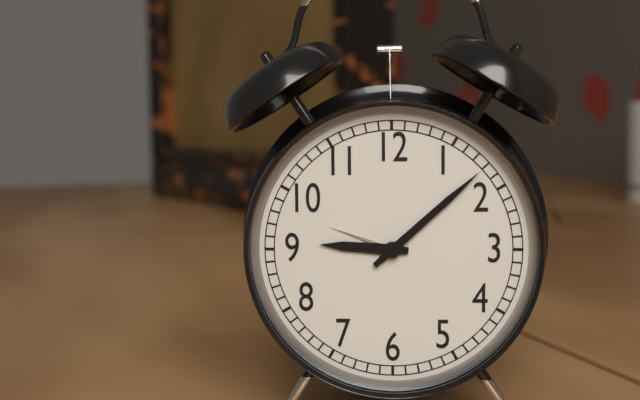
9,08
